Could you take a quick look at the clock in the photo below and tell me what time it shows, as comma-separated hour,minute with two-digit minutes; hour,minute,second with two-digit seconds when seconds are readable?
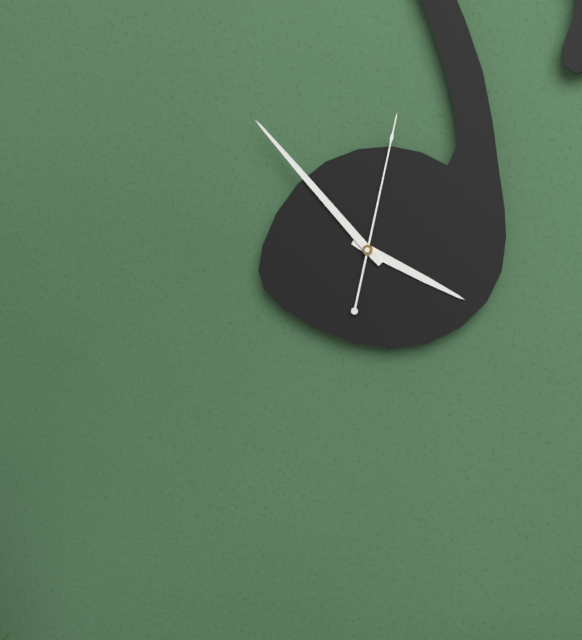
3,53,02
